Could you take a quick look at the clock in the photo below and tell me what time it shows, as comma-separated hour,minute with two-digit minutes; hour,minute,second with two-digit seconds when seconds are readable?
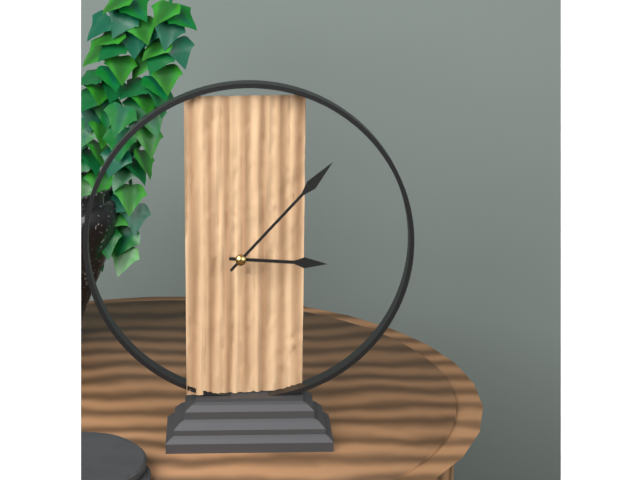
3,07
